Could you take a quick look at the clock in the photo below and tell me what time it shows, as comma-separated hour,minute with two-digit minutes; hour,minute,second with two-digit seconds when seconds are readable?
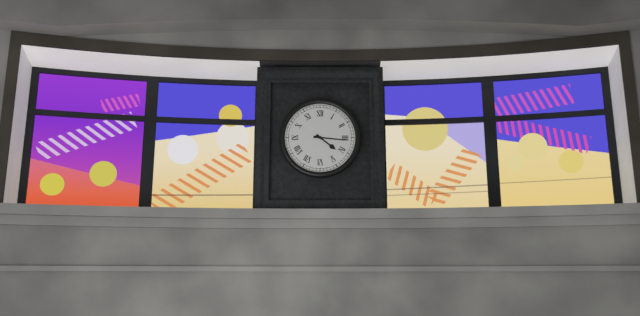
4,16
